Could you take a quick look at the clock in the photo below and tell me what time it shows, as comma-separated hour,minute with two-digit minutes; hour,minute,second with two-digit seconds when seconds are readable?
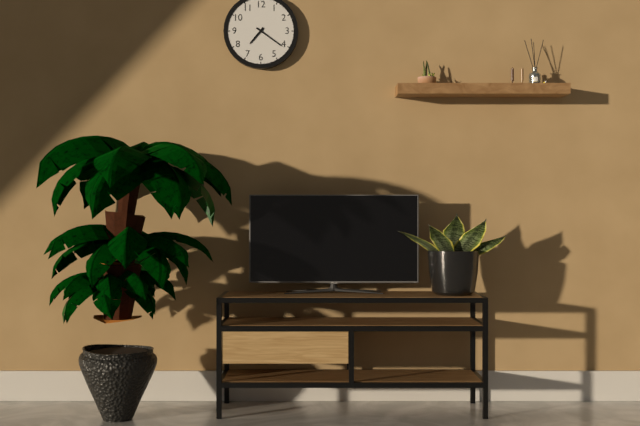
7,21
